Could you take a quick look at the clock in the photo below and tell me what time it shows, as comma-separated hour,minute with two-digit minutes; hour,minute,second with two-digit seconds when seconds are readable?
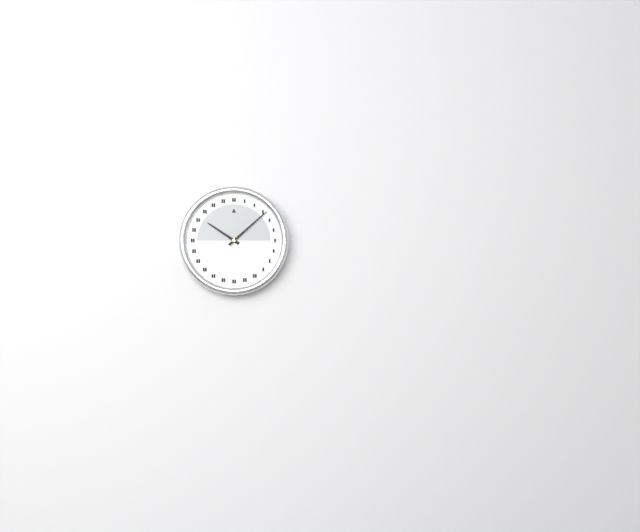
10,08
